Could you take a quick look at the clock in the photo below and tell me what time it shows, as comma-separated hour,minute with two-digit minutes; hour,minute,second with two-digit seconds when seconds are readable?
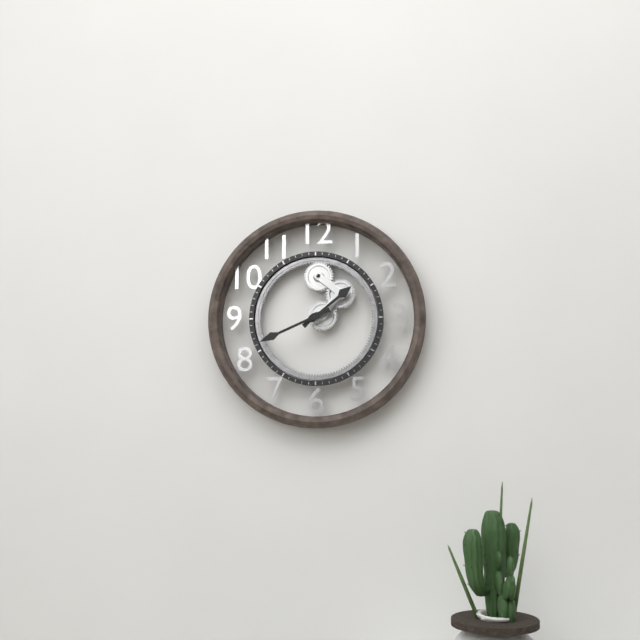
1,41
